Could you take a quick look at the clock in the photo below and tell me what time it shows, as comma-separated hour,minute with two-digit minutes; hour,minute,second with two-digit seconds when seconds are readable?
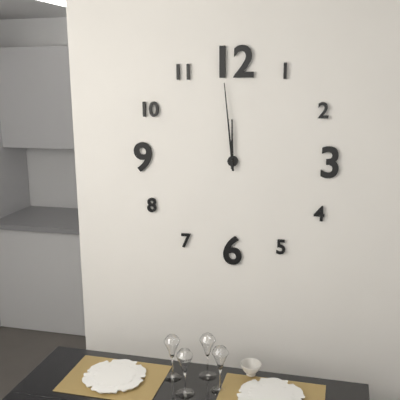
11,59
